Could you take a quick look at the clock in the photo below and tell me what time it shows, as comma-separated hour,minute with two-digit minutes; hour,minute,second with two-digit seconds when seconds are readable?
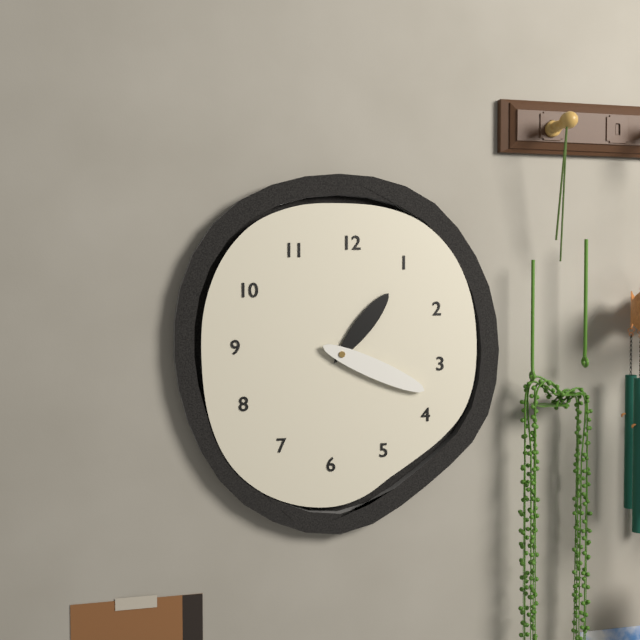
1,19
